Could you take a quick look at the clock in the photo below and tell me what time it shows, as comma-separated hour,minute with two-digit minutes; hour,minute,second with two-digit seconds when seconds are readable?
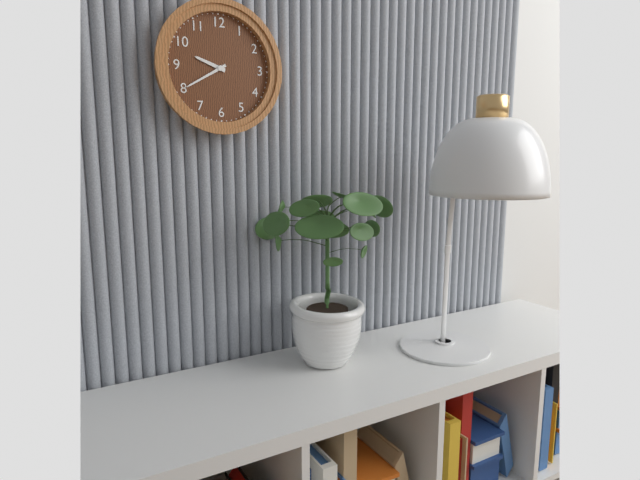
9,40
